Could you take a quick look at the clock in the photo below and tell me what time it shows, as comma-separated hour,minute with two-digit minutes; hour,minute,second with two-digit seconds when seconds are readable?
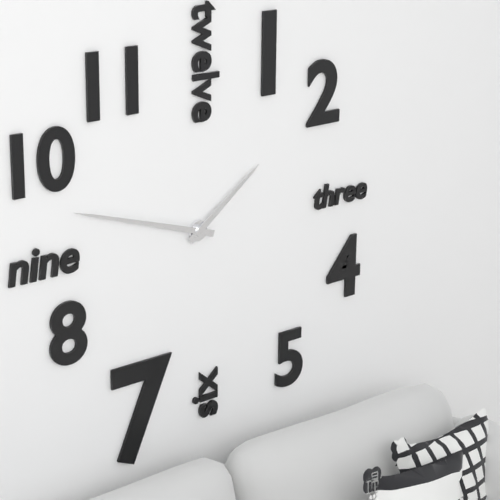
1,48
